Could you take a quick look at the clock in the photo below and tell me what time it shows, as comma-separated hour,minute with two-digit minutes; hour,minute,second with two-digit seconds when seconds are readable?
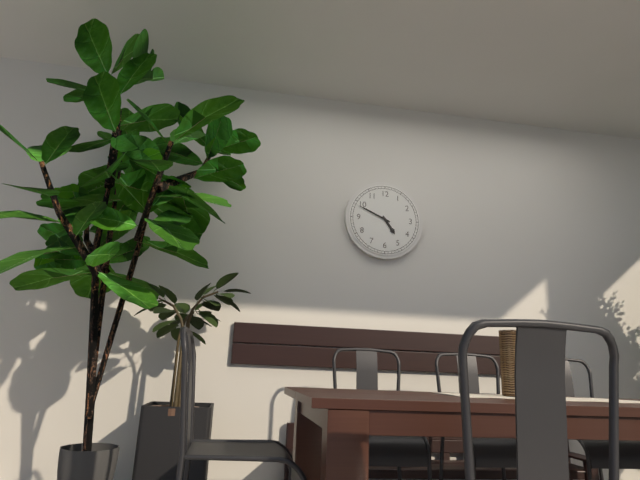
4,49
